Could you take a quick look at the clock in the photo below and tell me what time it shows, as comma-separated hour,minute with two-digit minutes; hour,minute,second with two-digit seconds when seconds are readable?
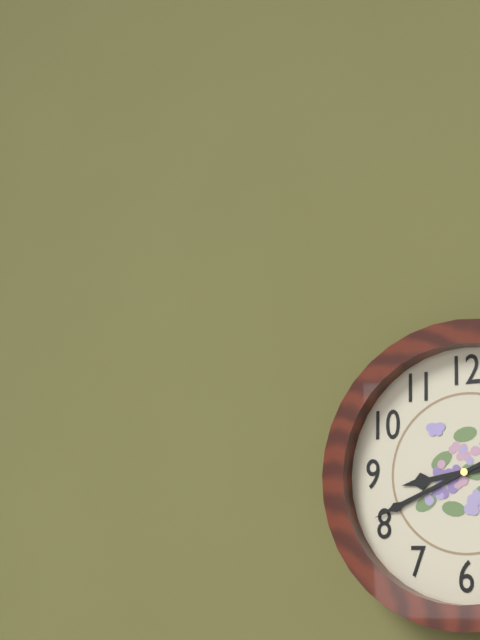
8,41
